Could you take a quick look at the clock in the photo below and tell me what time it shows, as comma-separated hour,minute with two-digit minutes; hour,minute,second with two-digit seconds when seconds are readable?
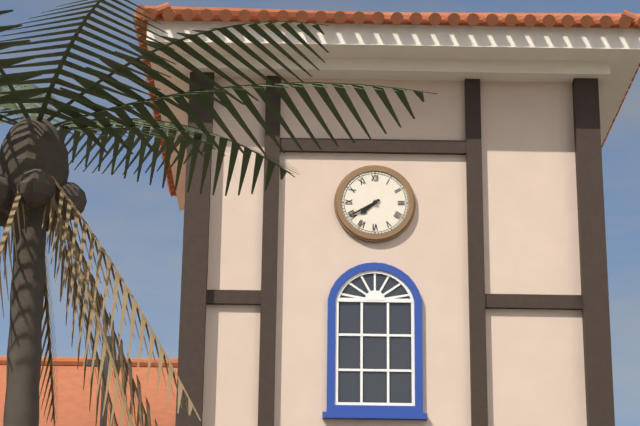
7,40
